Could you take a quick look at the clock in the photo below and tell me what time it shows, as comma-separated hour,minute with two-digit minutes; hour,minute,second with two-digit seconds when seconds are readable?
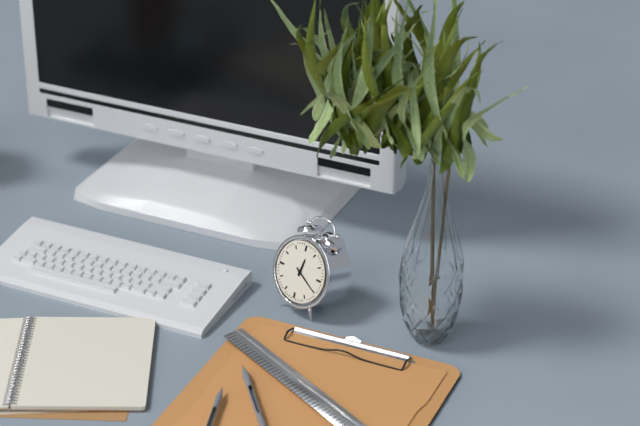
12,20
